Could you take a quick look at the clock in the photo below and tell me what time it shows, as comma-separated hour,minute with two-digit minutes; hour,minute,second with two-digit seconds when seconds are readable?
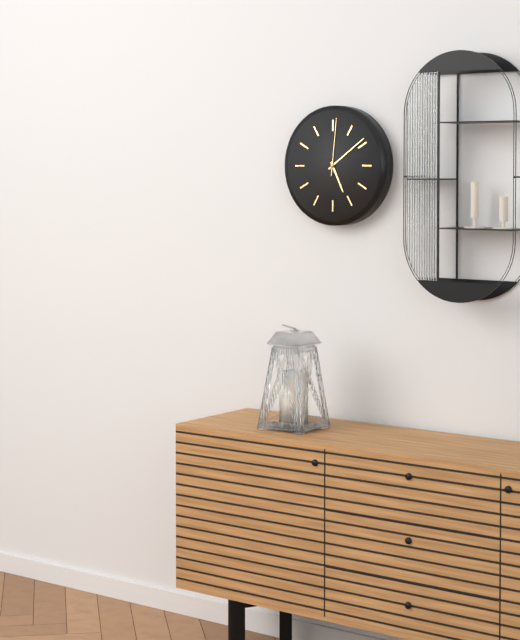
5,09,01
